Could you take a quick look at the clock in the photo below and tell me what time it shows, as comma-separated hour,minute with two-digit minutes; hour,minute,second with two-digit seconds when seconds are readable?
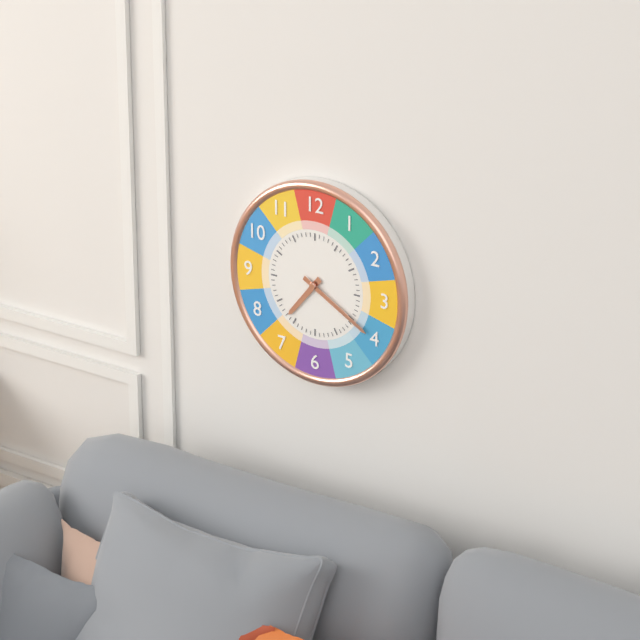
7,20
